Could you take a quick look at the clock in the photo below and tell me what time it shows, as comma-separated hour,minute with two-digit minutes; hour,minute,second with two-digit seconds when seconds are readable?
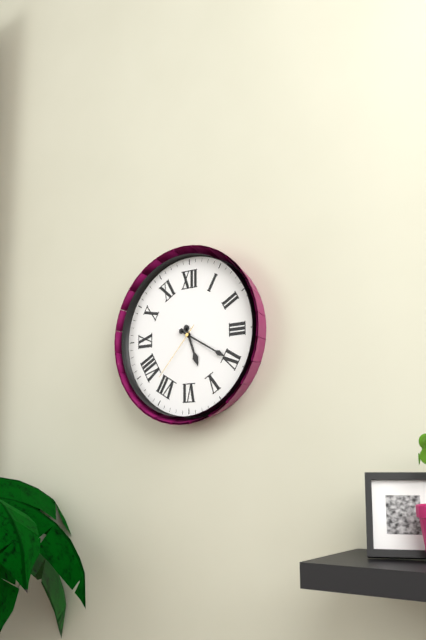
5,20,37
